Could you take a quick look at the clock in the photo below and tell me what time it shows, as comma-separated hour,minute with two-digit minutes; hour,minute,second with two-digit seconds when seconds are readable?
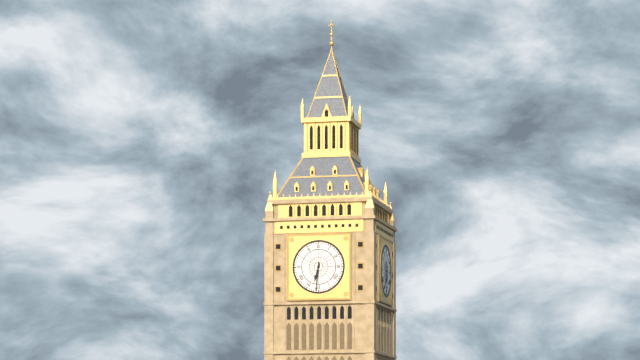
6,31
